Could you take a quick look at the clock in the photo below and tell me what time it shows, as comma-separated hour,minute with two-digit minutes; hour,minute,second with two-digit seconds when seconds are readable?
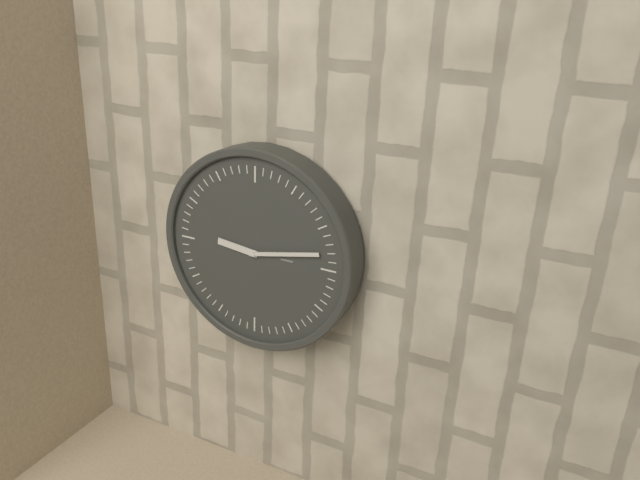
9,13
